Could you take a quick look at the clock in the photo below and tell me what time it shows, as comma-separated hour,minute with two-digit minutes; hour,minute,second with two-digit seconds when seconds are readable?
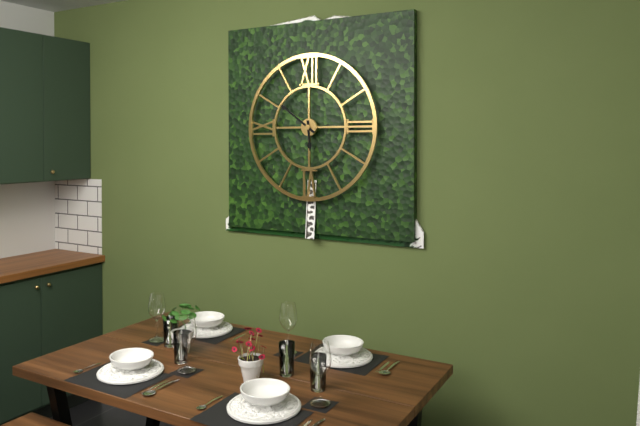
5,51
